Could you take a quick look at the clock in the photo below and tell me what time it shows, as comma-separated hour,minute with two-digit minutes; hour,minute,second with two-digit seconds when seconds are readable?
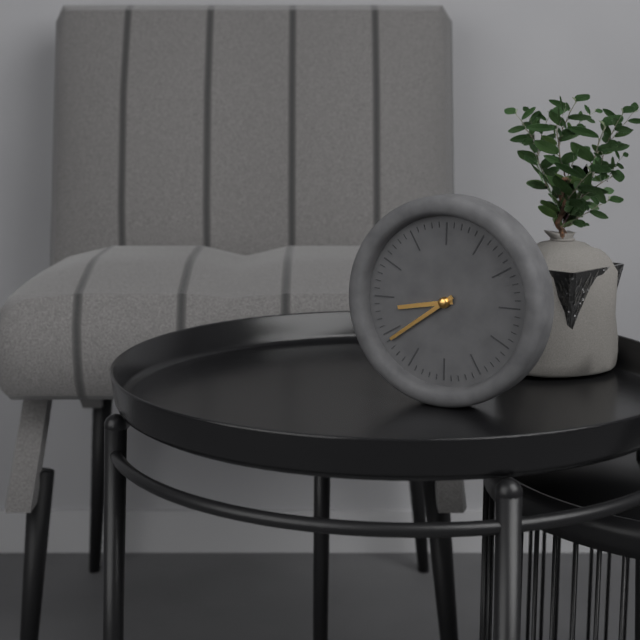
8,39
